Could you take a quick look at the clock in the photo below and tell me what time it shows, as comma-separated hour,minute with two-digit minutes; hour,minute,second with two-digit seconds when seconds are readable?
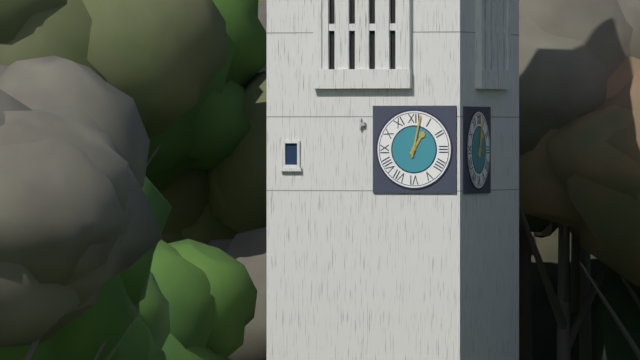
1,02
